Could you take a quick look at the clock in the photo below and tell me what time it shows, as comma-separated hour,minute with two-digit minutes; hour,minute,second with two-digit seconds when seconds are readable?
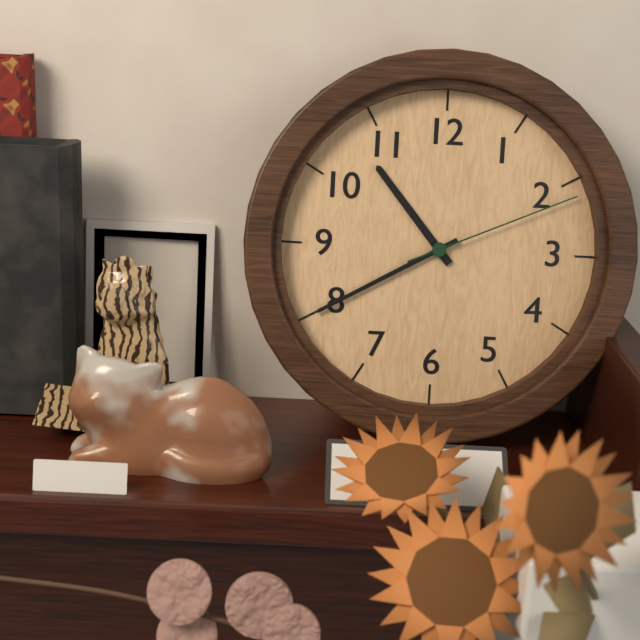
10,40,11
